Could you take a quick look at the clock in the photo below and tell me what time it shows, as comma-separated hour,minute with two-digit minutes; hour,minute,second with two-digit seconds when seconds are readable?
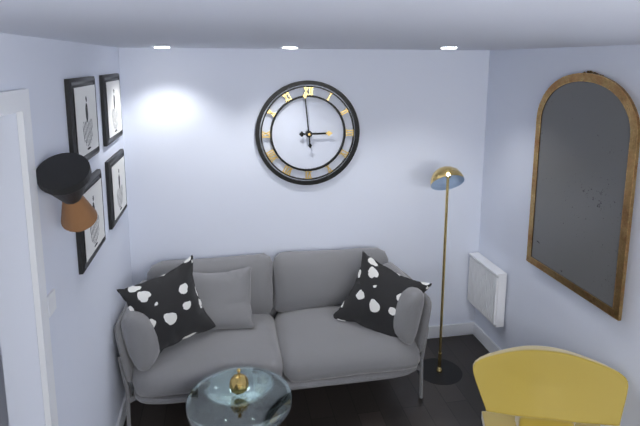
2,59
